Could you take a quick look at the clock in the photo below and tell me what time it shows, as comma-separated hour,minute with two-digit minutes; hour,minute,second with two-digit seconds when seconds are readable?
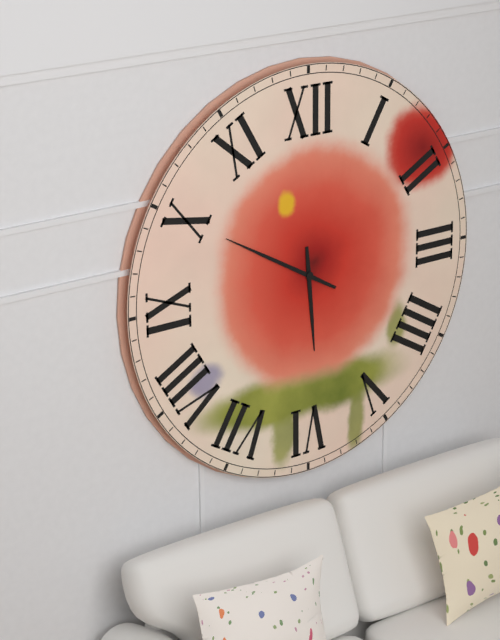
5,50
